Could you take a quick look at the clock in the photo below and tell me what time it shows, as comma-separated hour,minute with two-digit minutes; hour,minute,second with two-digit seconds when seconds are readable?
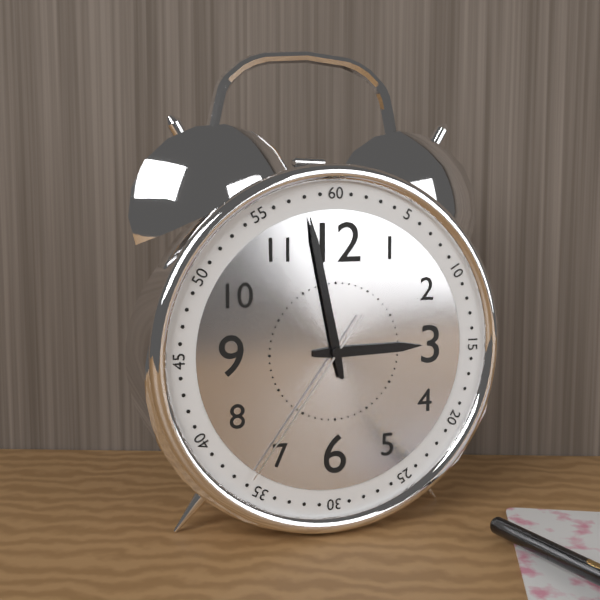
2,58,36
